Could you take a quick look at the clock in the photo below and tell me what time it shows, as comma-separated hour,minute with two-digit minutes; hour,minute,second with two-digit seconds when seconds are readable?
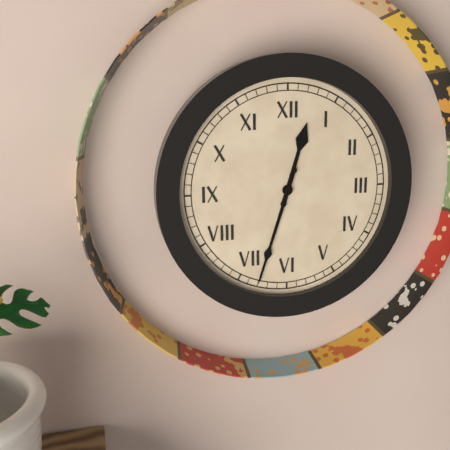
12,33
